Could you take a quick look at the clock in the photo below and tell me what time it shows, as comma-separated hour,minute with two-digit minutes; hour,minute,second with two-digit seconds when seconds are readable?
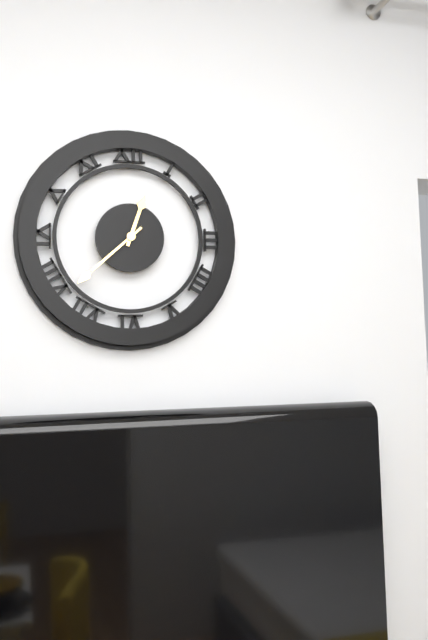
12,38
